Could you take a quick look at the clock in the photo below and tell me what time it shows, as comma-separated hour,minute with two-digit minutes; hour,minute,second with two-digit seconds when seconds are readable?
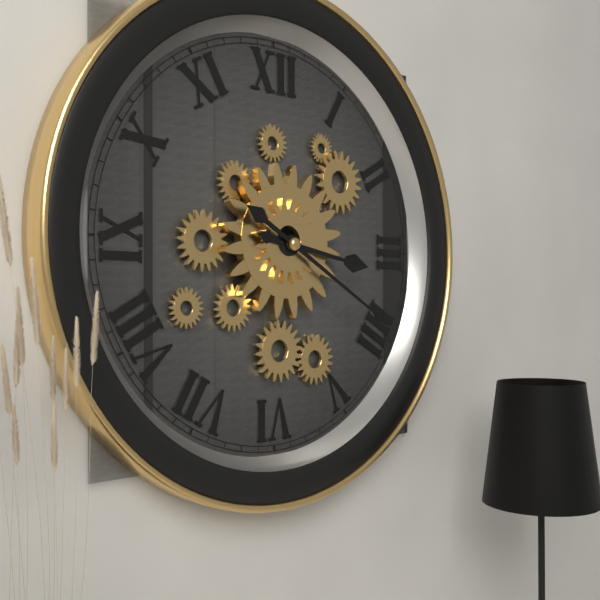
3,20
